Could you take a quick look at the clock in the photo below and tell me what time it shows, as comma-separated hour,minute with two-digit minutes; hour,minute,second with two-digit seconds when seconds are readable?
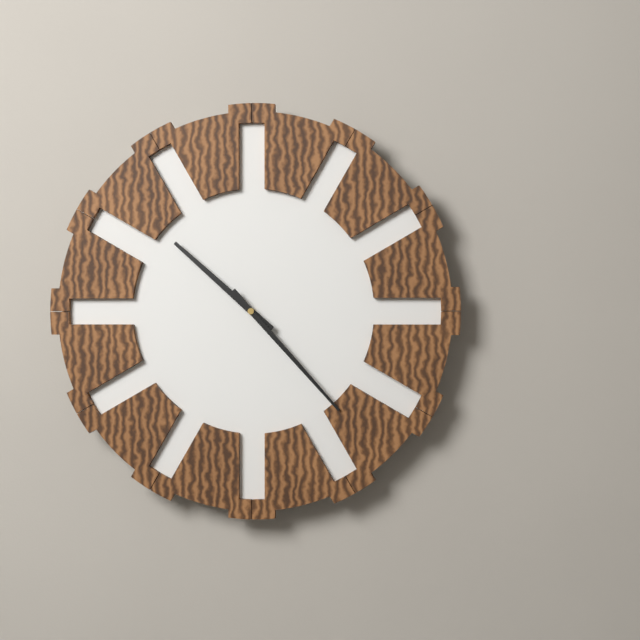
10,23
